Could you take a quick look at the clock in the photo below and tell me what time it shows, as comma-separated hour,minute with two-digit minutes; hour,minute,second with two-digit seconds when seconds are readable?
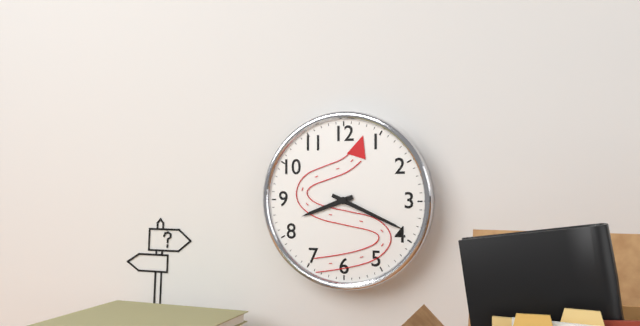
8,19
